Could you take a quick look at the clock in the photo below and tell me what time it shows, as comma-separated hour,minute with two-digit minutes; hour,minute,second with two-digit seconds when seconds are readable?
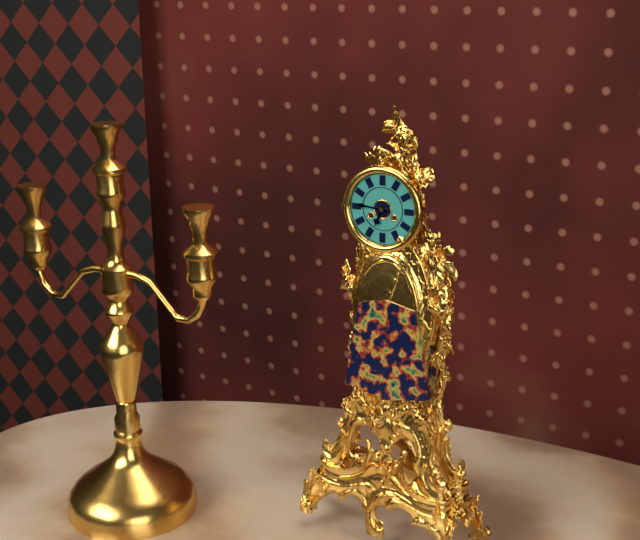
6,46
